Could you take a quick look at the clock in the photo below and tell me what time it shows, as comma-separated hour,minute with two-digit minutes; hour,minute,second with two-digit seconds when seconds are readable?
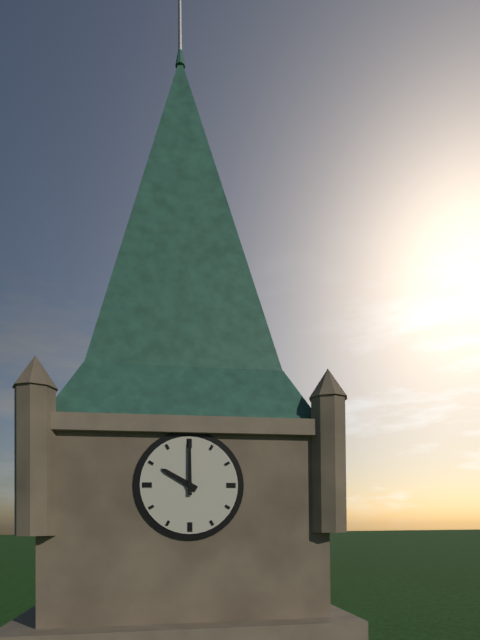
10,00
